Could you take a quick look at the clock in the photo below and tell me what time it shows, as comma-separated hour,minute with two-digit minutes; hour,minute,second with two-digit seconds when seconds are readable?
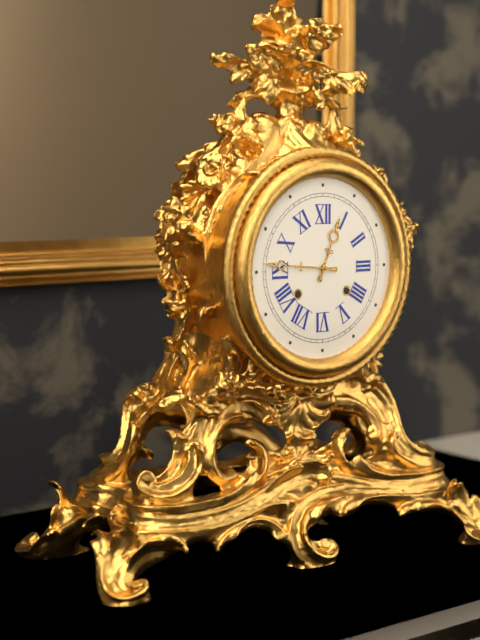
12,46
